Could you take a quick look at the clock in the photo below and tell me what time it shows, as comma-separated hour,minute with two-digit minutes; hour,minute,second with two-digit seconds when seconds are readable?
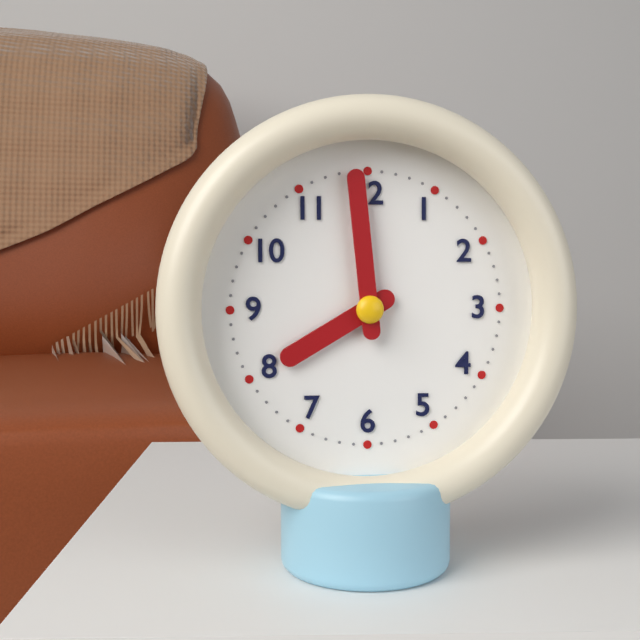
7,59
